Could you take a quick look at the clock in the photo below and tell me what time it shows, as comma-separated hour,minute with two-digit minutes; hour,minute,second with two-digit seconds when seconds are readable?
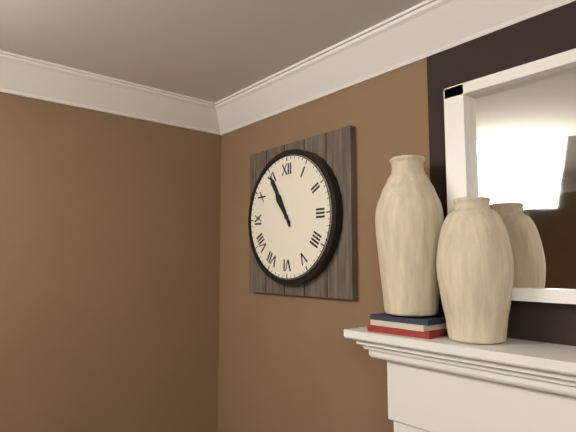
10,55
